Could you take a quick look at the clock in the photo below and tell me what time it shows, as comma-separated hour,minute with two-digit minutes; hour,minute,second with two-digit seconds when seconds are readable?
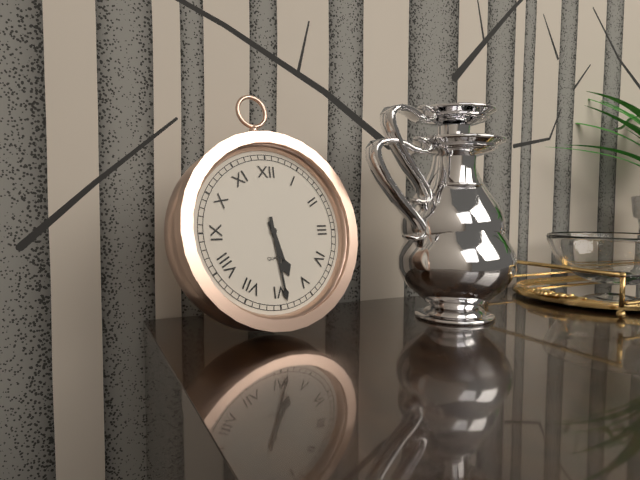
5,29
